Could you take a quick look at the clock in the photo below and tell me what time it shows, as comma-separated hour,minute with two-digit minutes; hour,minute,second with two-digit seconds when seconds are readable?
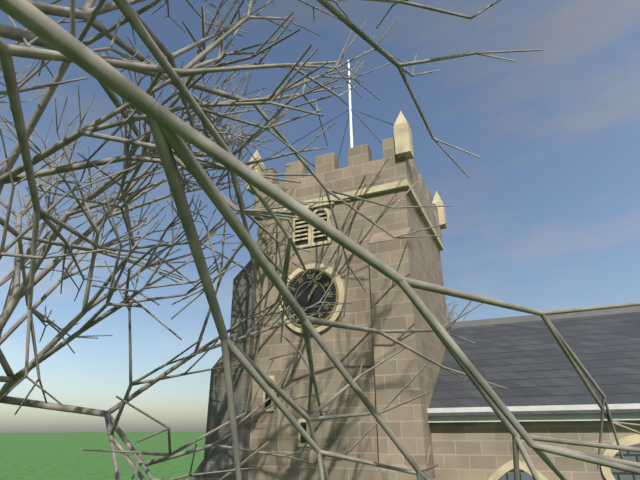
1,04
